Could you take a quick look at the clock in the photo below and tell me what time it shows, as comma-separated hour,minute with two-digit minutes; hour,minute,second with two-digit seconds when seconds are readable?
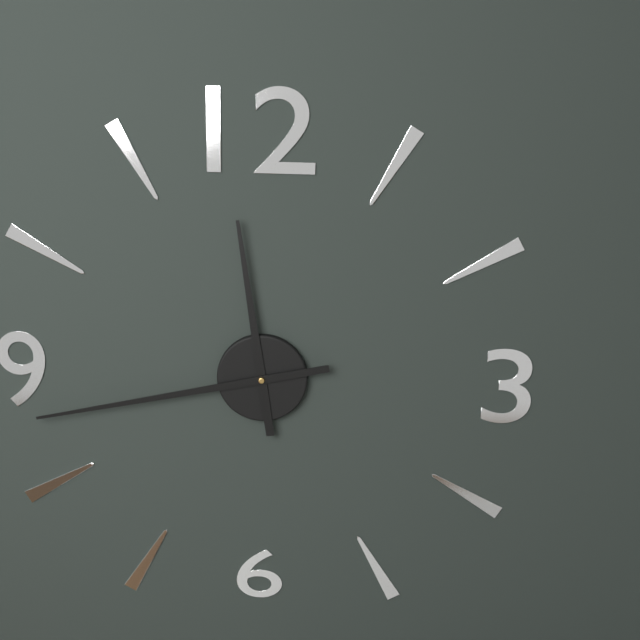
11,43
